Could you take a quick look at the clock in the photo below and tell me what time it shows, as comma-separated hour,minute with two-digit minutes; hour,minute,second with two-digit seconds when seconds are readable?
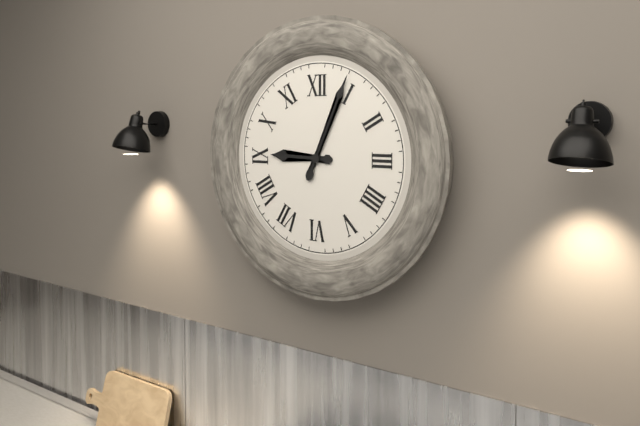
9,04
